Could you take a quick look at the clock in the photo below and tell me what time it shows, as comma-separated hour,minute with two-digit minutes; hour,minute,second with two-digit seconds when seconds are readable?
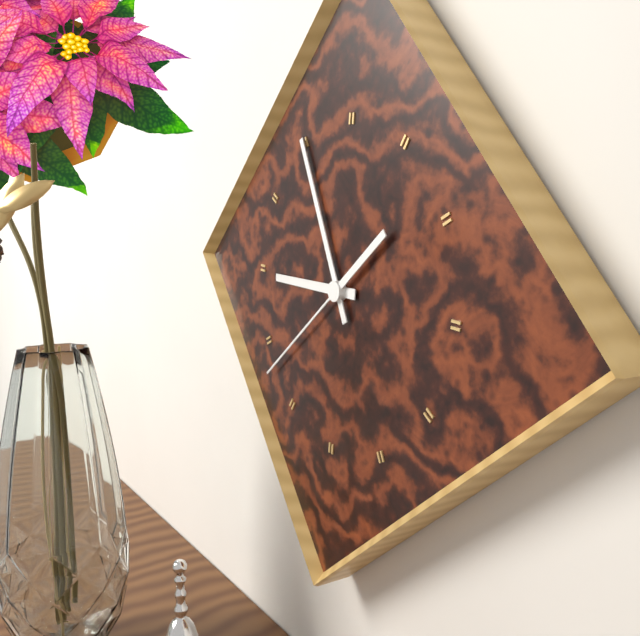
8,55,38
